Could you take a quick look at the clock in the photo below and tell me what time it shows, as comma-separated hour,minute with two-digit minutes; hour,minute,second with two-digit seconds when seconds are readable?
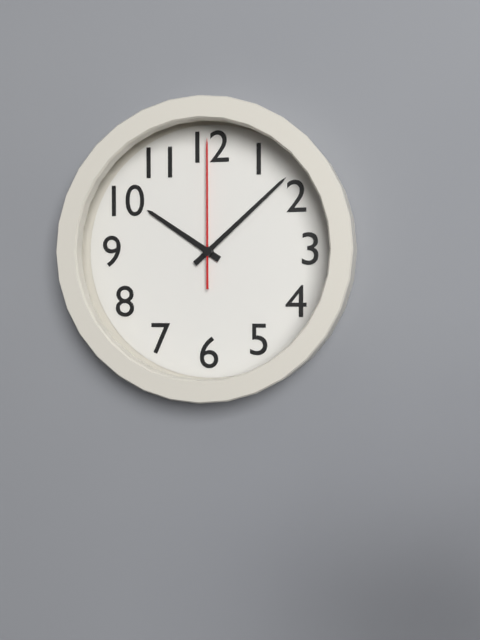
10,08,00
